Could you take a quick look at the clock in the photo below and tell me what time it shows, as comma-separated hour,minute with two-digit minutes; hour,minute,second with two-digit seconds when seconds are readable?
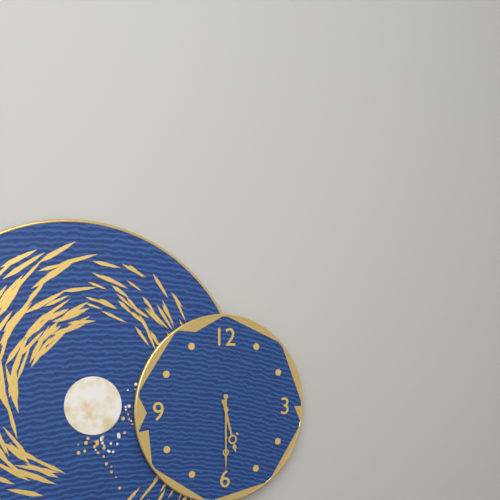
5,30
